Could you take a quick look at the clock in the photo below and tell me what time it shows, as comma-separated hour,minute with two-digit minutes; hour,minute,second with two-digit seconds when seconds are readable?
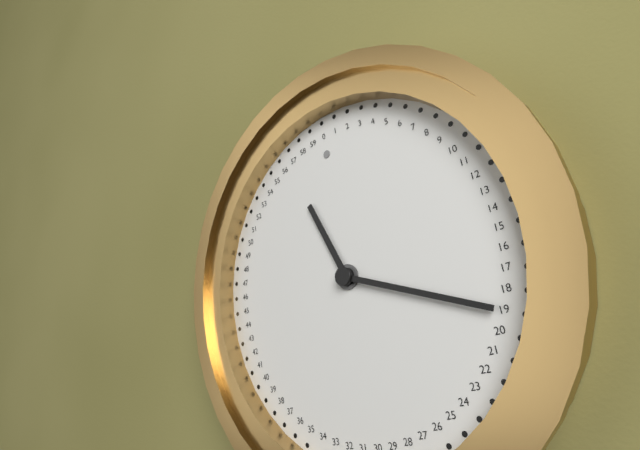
11,19
